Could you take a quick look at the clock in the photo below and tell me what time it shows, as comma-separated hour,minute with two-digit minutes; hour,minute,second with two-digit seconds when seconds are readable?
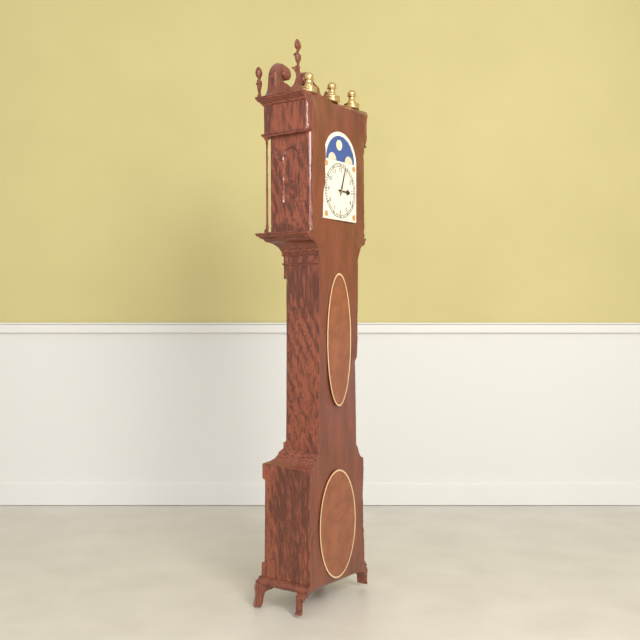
3,03
